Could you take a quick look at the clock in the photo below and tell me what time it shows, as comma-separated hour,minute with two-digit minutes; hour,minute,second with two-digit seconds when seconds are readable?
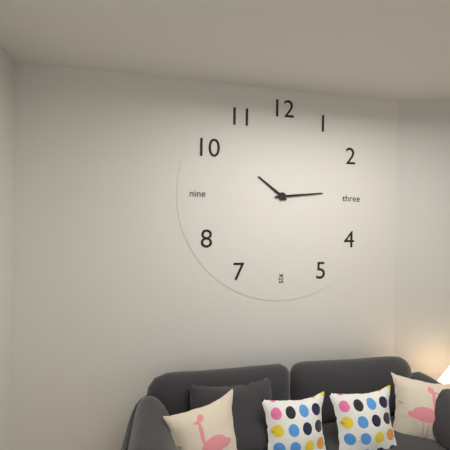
10,14
